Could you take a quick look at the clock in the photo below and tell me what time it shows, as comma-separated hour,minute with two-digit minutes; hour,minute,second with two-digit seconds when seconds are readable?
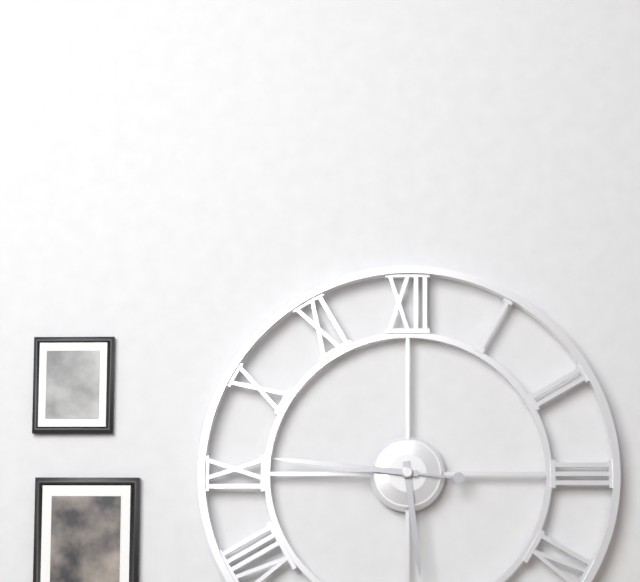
5,46
